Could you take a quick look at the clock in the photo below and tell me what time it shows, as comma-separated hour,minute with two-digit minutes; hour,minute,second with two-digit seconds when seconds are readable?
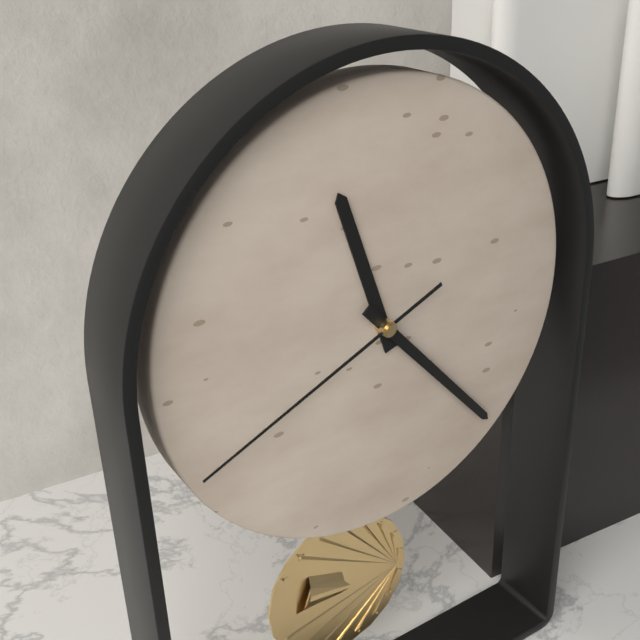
11,23,41
